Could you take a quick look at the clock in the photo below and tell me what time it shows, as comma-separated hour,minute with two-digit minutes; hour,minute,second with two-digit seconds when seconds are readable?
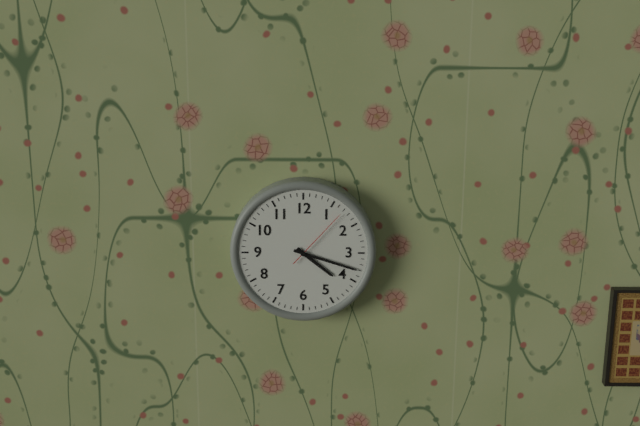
4,18,07
